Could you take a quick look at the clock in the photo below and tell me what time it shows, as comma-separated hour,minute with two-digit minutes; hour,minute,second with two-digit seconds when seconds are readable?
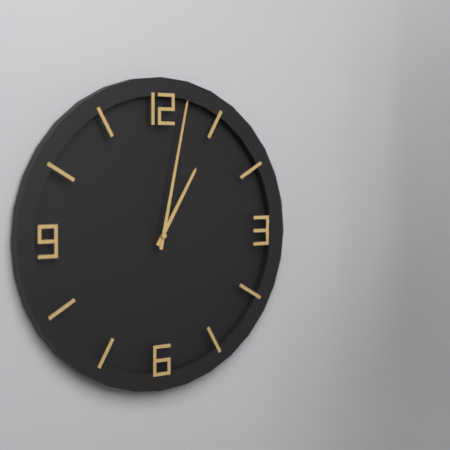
1,02
